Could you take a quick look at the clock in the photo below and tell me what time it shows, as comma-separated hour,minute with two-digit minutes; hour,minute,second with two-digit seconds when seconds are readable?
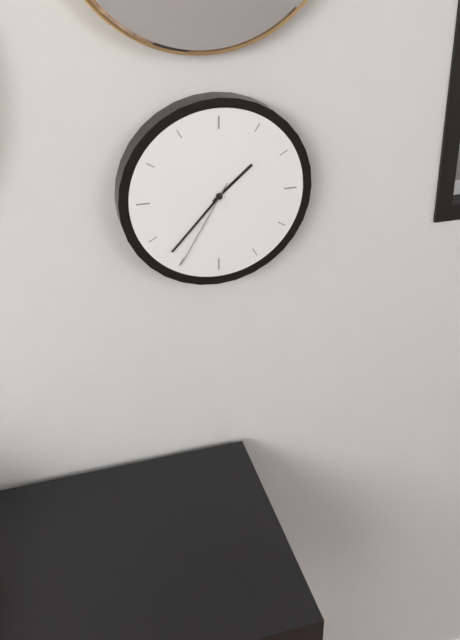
1,37,35
